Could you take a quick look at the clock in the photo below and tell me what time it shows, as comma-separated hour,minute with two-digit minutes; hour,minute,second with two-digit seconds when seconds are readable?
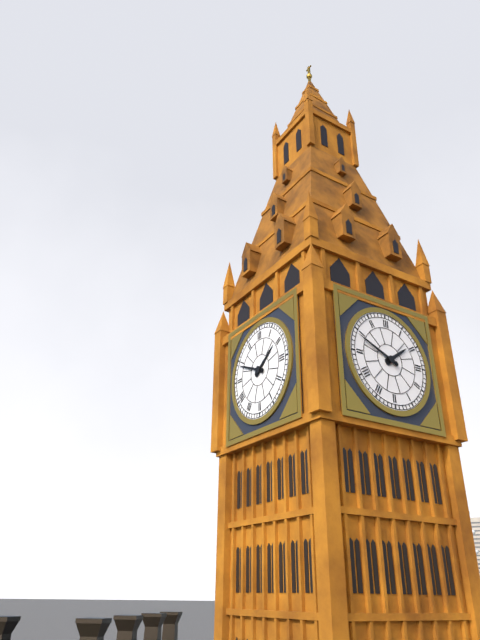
1,49
